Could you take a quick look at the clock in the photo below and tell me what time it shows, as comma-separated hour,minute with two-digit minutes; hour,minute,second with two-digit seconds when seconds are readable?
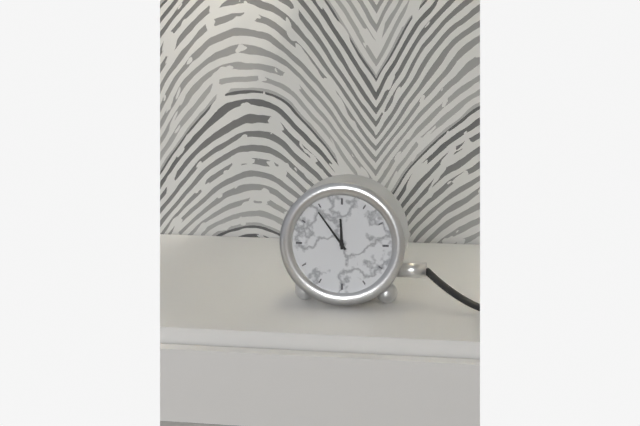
11,54
